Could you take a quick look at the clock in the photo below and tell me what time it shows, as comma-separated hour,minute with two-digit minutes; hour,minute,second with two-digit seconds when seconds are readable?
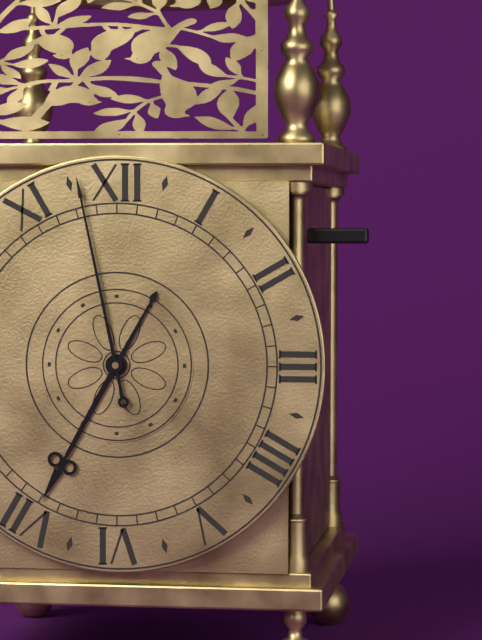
6,58
